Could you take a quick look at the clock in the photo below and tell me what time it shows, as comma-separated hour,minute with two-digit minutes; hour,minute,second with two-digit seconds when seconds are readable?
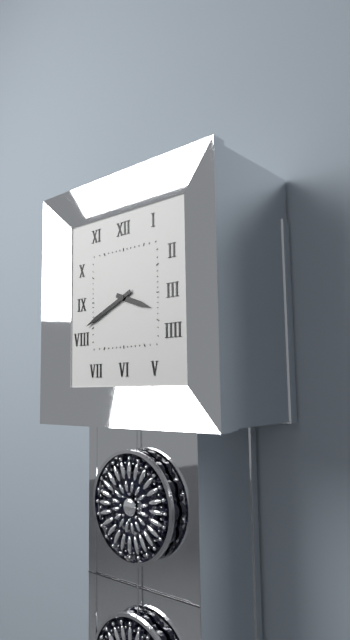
3,41
